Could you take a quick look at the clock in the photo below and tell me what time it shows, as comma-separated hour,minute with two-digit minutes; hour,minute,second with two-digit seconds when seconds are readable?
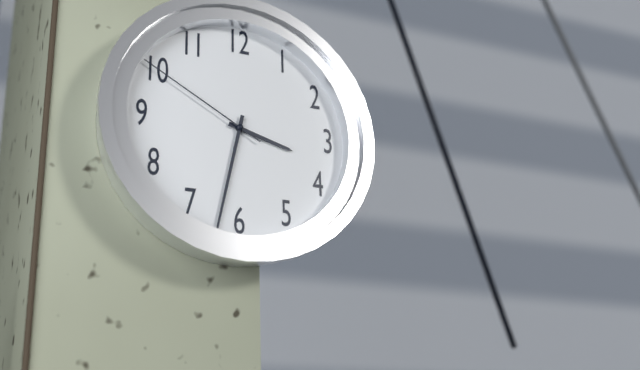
3,32,50
